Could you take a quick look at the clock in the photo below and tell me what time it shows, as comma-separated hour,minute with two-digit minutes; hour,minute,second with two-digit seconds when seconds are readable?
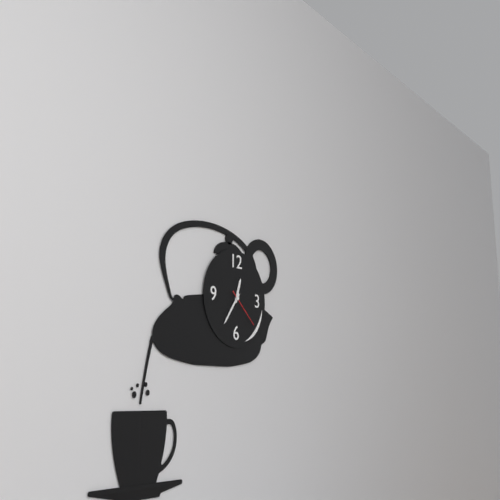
12,36
